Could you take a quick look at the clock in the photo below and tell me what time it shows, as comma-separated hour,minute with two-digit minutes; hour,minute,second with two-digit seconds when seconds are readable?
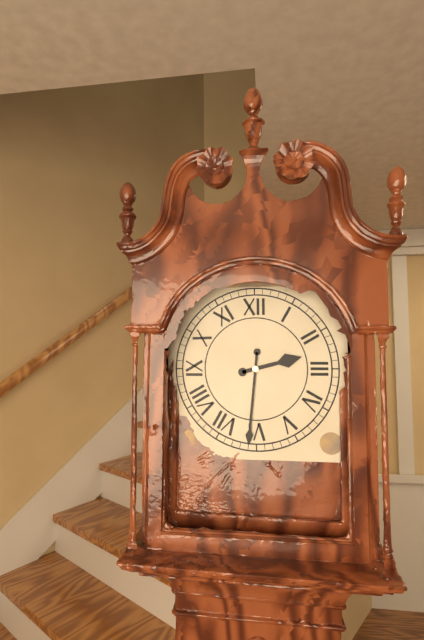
2,31
